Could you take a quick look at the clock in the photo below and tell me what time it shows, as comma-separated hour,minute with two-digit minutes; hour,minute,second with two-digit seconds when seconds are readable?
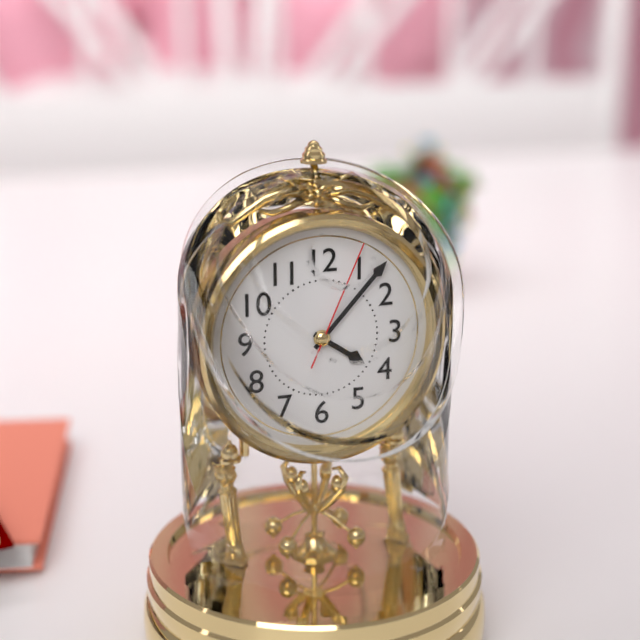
4,07,04
